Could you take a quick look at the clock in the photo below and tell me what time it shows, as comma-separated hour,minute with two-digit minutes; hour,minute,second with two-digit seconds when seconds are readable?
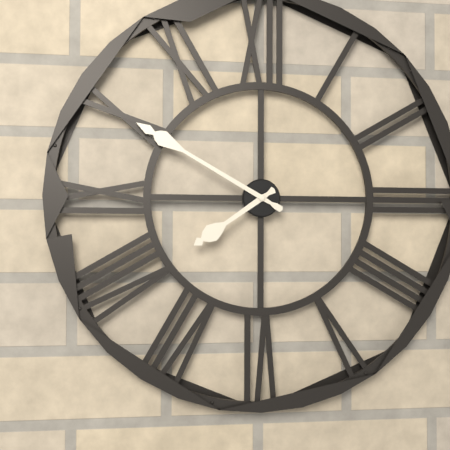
7,50
